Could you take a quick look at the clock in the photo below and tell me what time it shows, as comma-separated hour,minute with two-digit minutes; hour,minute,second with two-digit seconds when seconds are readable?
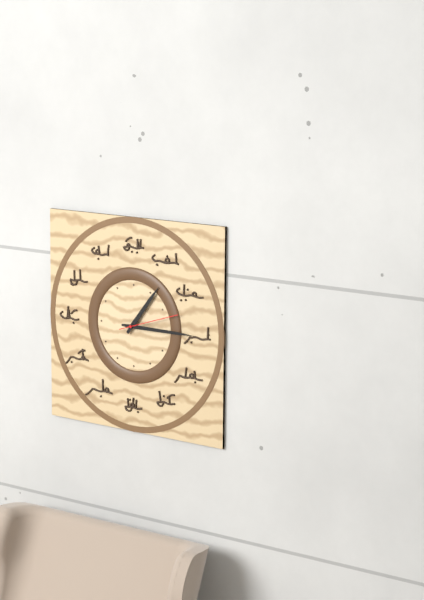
1,15,12
